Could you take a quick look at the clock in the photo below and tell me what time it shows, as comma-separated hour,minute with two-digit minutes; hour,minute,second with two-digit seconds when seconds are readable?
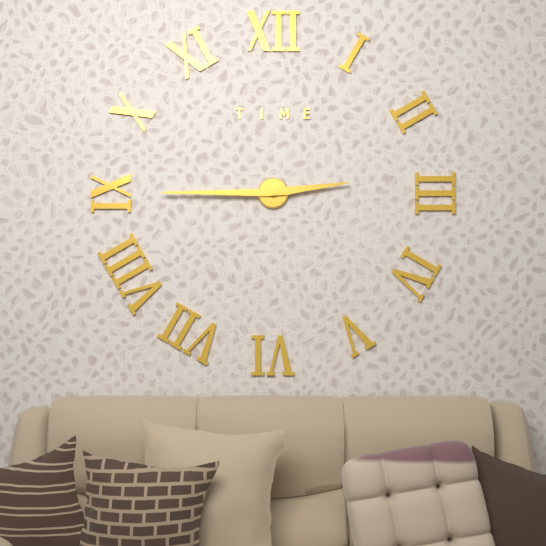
2,45
